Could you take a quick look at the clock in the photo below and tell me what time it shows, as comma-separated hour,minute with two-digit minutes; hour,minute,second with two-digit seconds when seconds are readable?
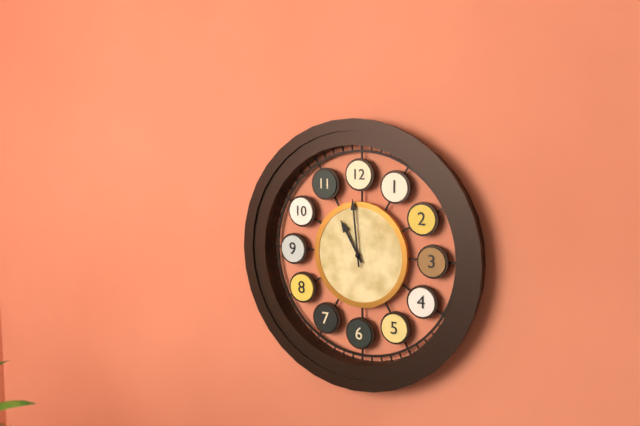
10,59
